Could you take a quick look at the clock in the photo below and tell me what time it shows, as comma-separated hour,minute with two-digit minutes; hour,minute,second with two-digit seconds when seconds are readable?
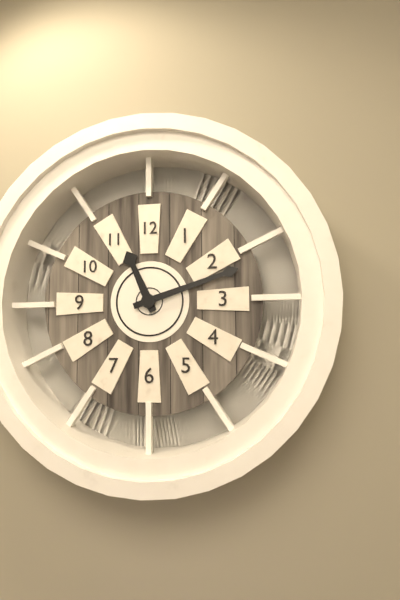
11,12
